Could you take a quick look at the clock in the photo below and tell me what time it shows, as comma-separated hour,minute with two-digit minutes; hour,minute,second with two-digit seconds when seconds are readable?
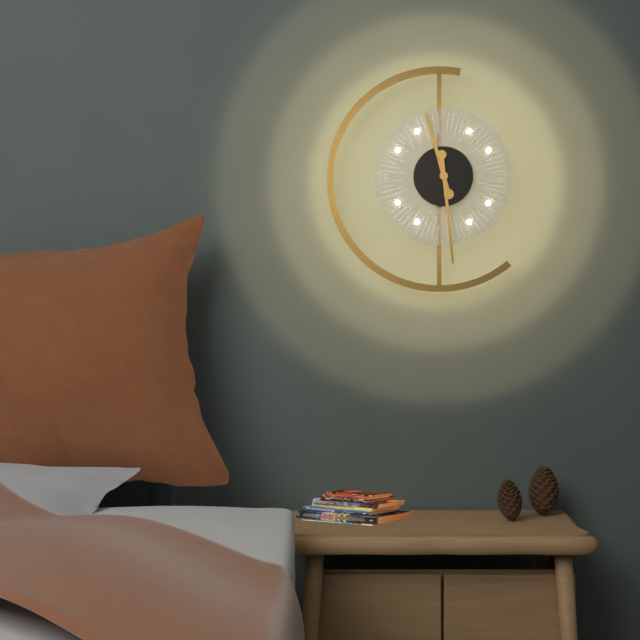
11,29
